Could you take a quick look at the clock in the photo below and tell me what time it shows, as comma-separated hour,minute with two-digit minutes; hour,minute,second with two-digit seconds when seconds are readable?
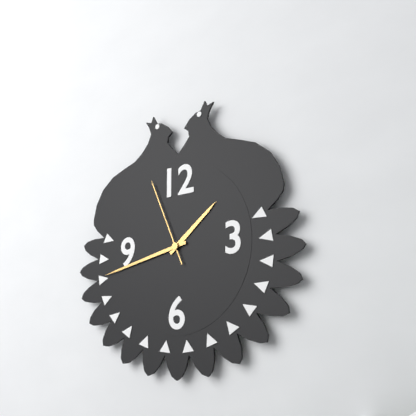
1,43,56
